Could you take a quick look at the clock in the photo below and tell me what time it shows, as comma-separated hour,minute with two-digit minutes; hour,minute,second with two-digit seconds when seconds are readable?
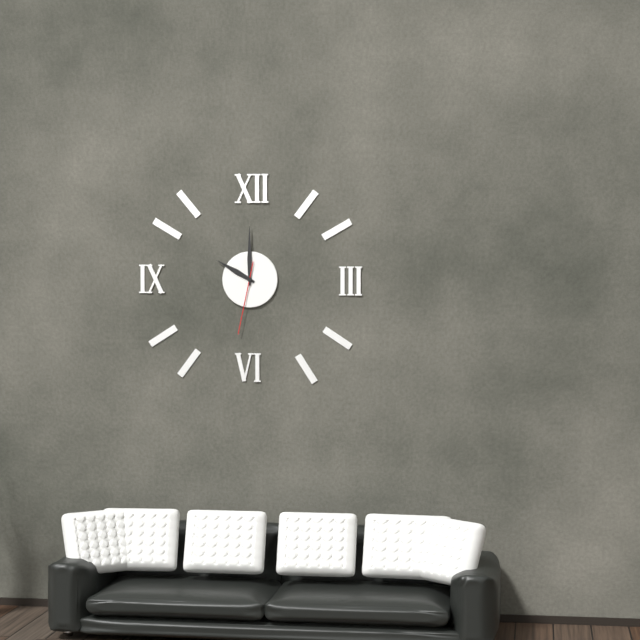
10,00,32
